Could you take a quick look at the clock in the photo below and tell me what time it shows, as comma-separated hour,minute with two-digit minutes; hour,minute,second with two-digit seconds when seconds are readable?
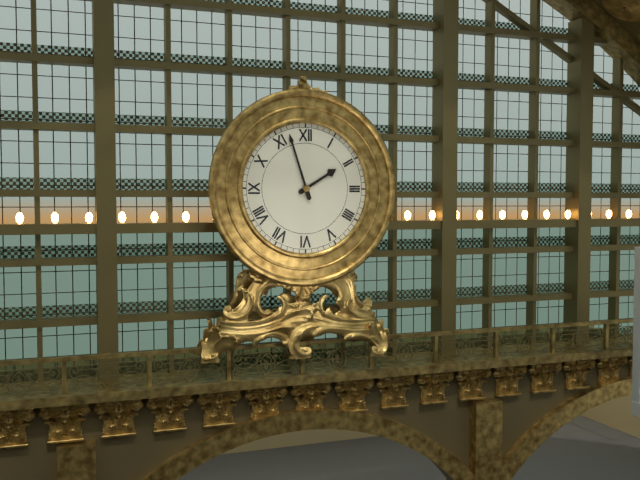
1,57
